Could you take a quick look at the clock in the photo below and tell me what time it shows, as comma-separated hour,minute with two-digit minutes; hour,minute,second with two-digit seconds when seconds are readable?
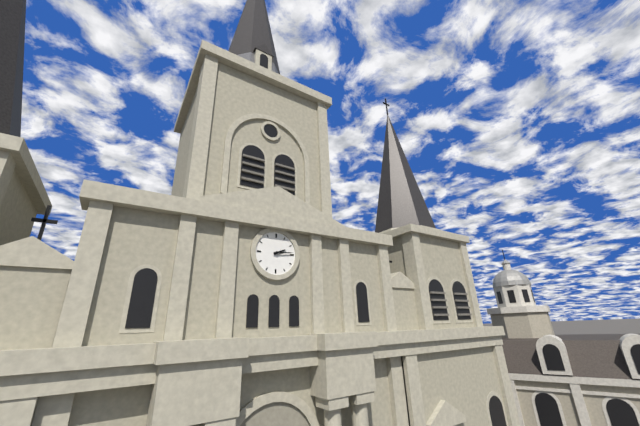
2,14
